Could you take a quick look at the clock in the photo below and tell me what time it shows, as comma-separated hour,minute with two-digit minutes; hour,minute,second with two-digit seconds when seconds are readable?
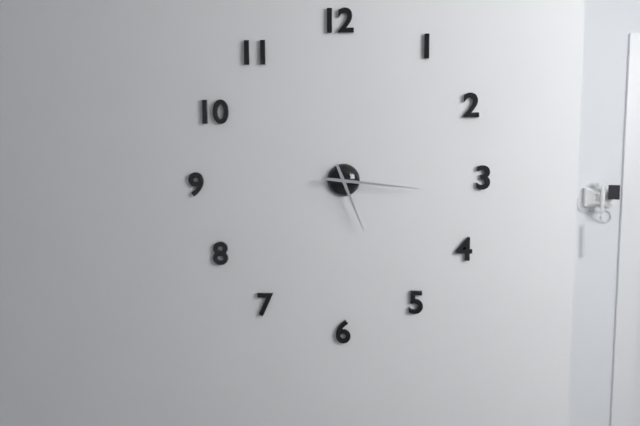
5,16
